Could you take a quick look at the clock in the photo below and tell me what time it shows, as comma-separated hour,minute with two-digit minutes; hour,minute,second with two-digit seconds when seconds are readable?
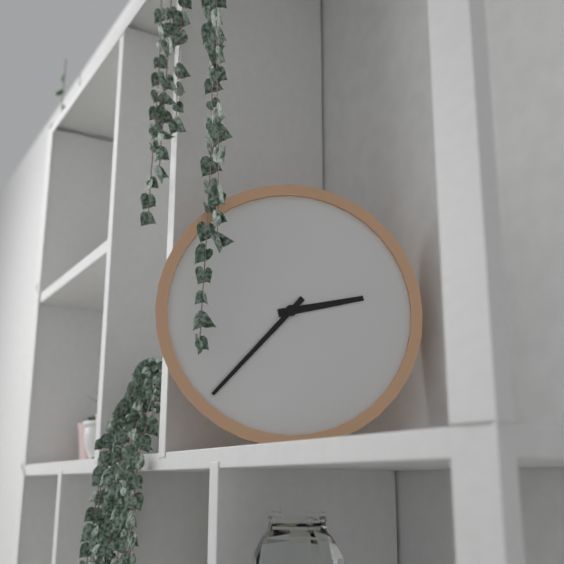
2,37
